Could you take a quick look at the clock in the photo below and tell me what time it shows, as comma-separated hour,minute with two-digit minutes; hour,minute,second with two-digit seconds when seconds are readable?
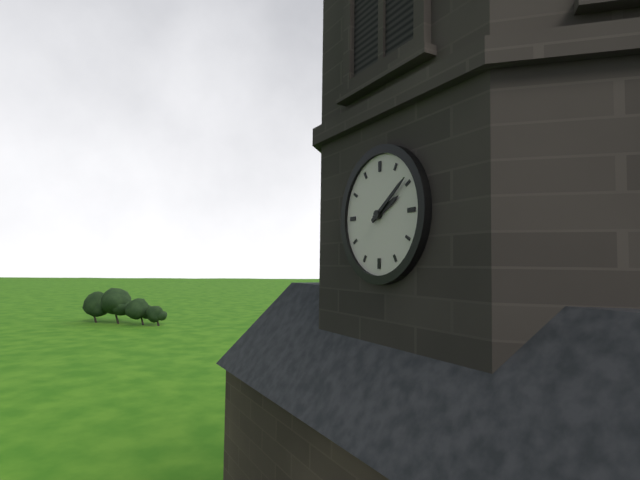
2,09
